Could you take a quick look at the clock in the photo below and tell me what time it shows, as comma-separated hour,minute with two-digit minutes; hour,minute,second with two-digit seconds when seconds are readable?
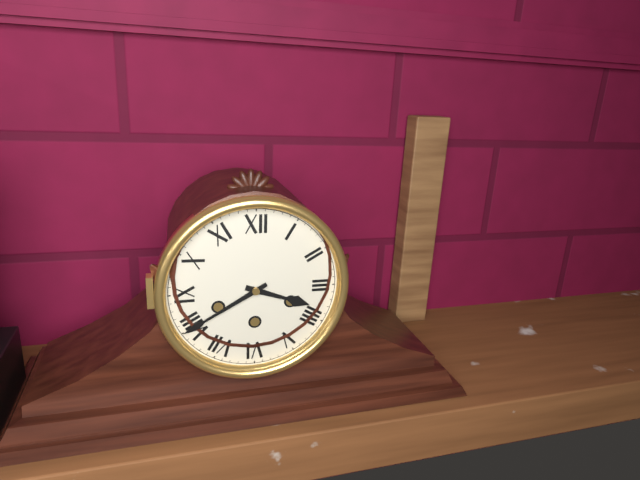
3,40
